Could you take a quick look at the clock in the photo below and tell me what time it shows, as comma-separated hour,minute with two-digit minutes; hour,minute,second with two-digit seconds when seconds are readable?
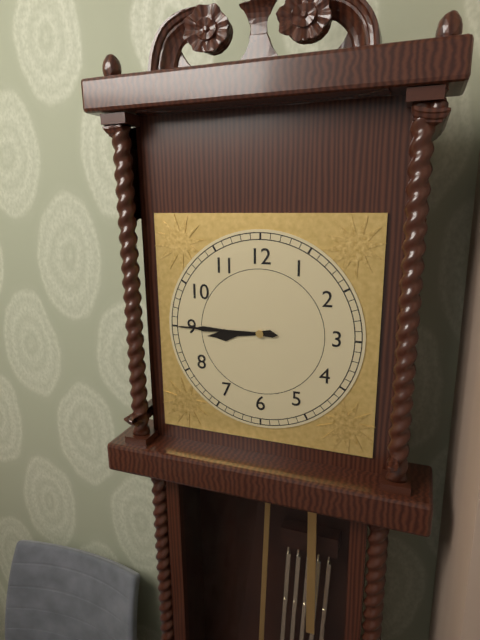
8,45
